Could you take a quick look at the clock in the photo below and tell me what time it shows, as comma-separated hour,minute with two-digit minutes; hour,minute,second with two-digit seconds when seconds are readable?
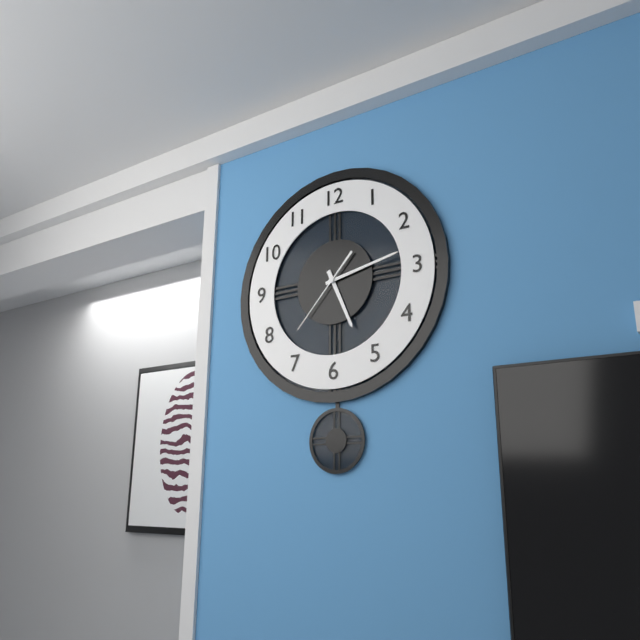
5,13,37
